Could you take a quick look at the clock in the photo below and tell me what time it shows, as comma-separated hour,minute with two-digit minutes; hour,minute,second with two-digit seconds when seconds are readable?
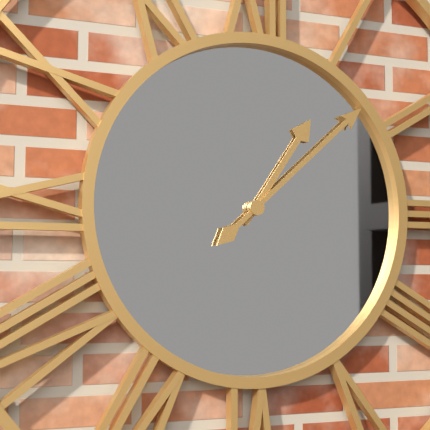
1,08
